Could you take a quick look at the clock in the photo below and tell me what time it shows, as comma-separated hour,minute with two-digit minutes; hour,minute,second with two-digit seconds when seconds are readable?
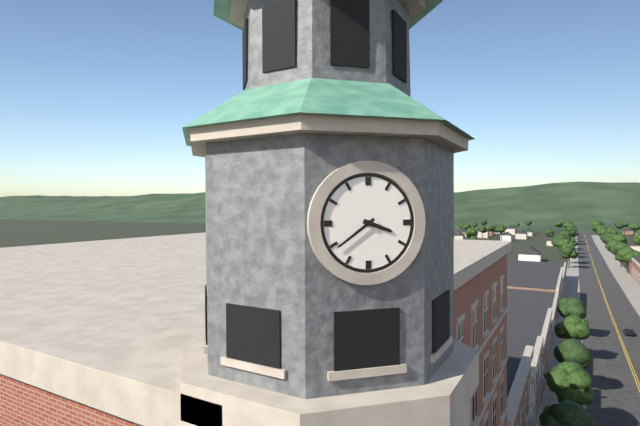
3,39
